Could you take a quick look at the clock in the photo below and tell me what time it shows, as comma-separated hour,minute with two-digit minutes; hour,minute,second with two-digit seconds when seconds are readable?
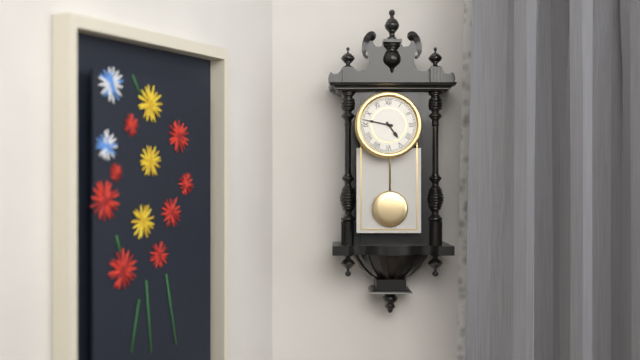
4,47
